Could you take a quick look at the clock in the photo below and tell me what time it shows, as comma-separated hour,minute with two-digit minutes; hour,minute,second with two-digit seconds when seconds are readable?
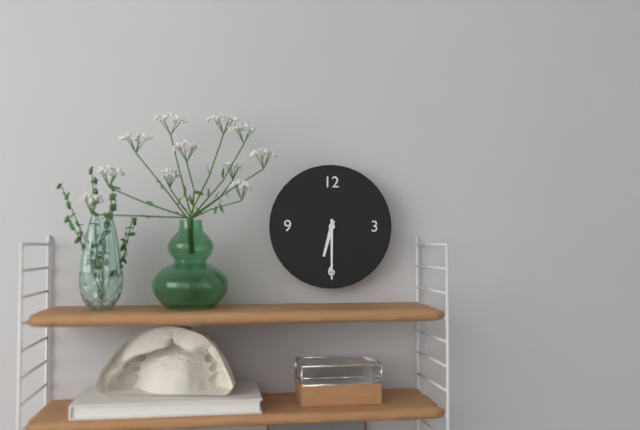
6,30
